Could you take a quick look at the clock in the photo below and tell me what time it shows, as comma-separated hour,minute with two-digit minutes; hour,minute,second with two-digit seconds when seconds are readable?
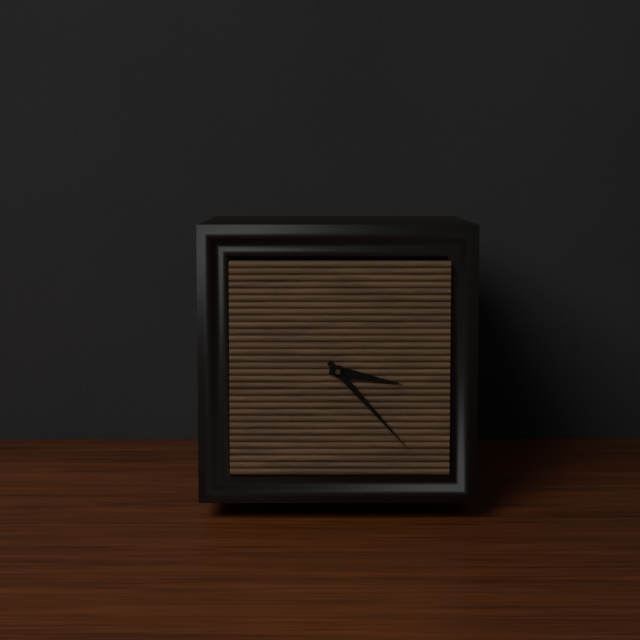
3,23
